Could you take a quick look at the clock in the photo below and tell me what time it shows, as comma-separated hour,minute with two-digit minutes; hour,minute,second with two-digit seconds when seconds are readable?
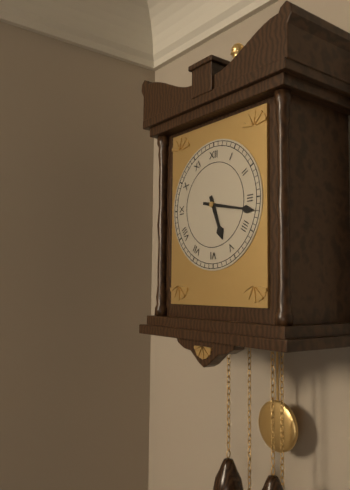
5,17
